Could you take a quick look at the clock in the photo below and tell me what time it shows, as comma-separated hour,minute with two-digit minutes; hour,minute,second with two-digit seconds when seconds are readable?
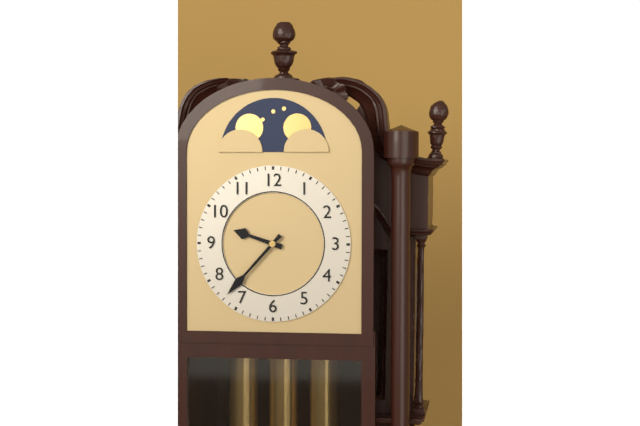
9,37
